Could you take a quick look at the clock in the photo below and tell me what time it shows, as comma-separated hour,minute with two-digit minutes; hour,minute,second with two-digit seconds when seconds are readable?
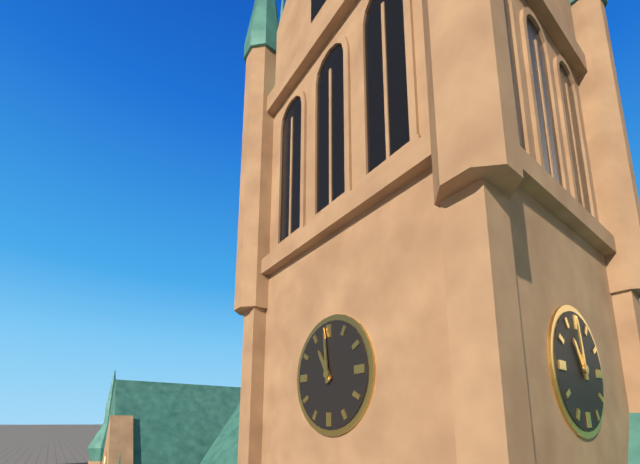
10,59
